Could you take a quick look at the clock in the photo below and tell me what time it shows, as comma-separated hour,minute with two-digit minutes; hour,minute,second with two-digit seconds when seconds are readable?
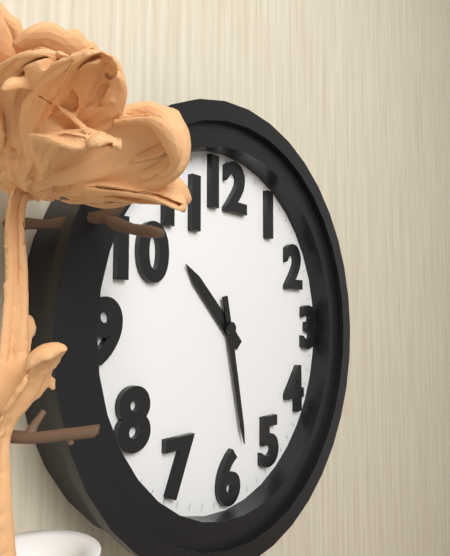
10,28
